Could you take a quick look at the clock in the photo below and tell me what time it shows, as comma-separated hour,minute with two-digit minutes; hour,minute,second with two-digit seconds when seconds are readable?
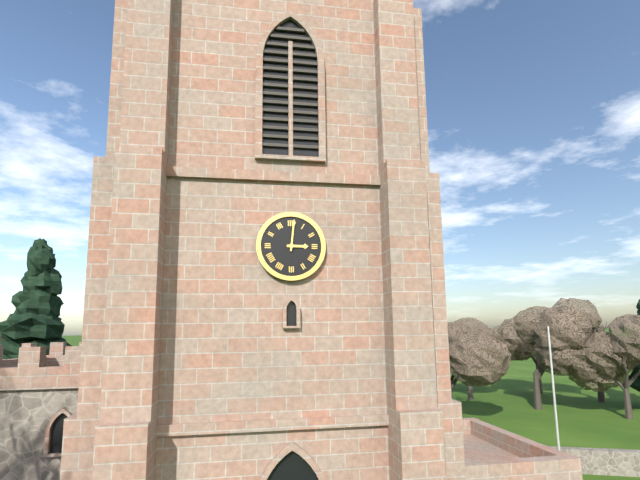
3,01
